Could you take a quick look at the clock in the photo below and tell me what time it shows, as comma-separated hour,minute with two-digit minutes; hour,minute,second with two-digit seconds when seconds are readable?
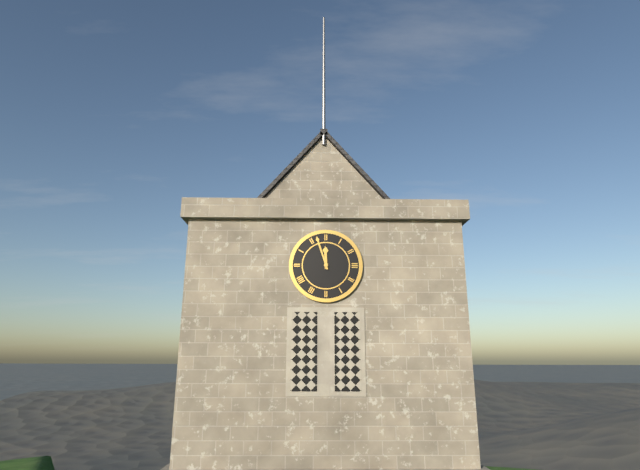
11,57
